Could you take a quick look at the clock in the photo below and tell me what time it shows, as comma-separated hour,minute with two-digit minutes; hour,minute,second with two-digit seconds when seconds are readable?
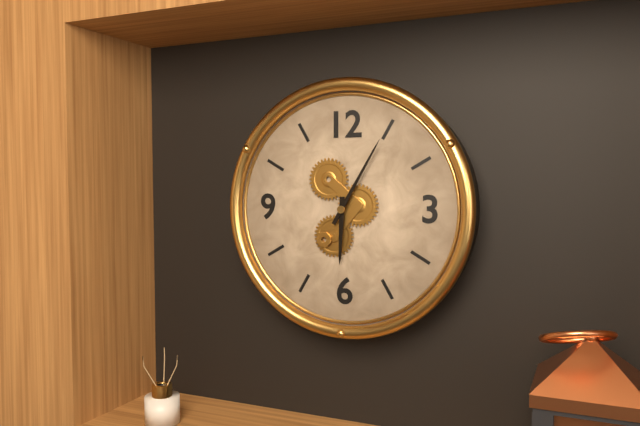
6,05
